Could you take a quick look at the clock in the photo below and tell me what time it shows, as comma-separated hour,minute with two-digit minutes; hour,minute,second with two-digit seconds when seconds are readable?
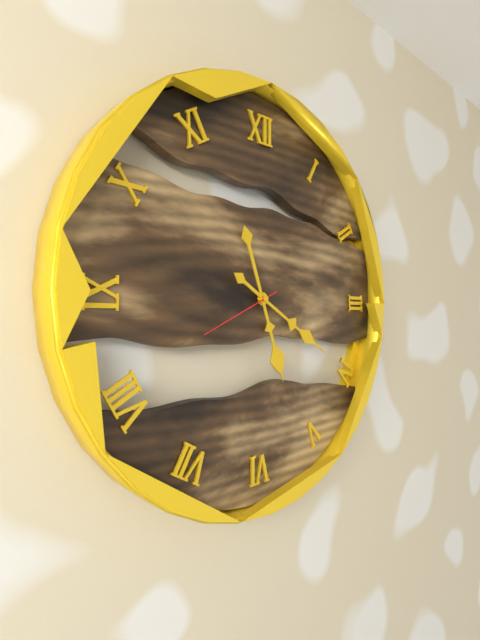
5,20,41
